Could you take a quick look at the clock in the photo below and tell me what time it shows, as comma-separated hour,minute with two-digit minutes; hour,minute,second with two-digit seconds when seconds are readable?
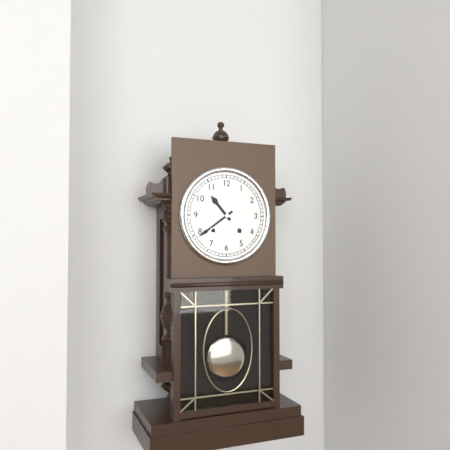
10,39
